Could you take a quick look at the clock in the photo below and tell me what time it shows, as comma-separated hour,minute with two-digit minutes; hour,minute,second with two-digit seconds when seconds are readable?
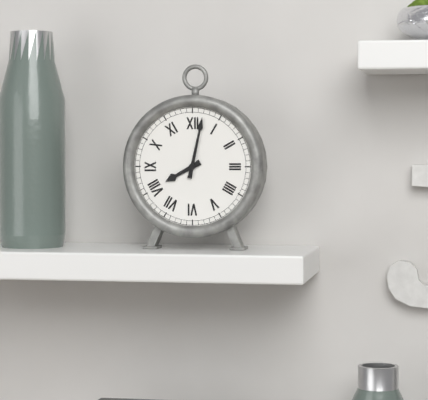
8,02
